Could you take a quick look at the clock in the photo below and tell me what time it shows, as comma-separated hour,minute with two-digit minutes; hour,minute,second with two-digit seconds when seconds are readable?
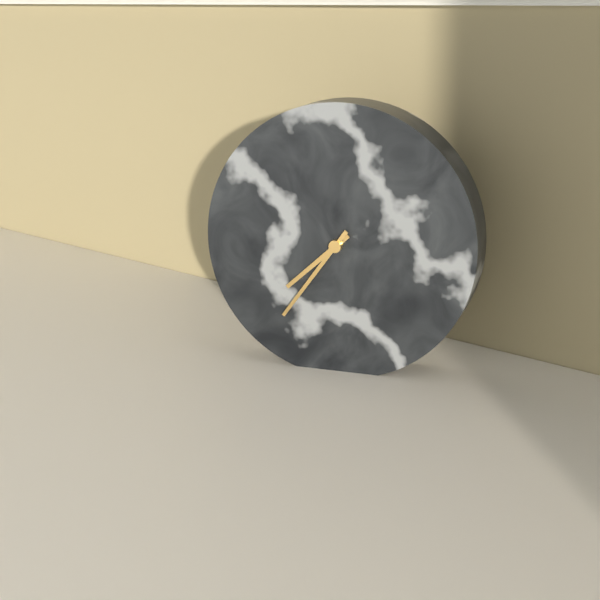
7,36
